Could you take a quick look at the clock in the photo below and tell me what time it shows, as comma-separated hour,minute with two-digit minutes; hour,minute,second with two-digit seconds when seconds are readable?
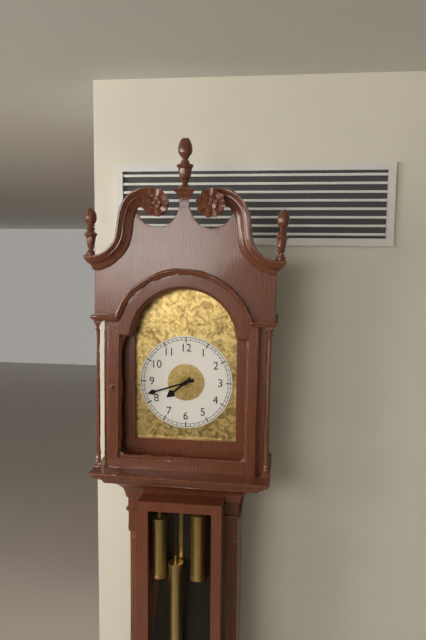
7,42
